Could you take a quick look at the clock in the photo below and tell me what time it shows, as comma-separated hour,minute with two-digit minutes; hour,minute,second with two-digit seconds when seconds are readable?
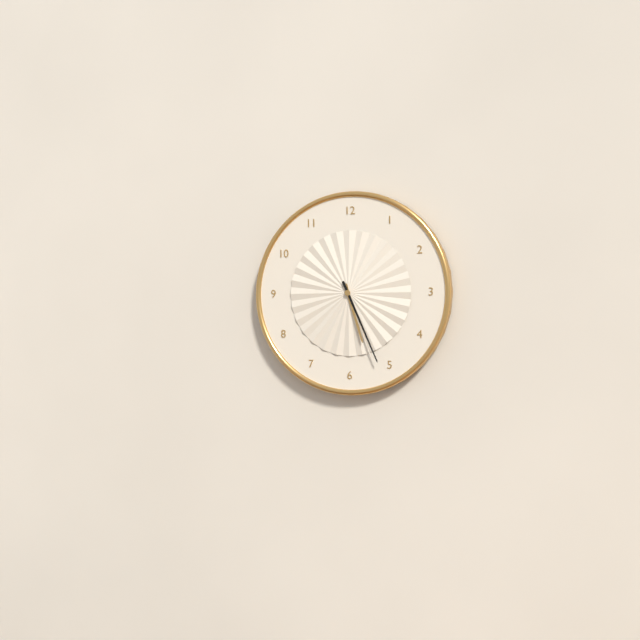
5,26
